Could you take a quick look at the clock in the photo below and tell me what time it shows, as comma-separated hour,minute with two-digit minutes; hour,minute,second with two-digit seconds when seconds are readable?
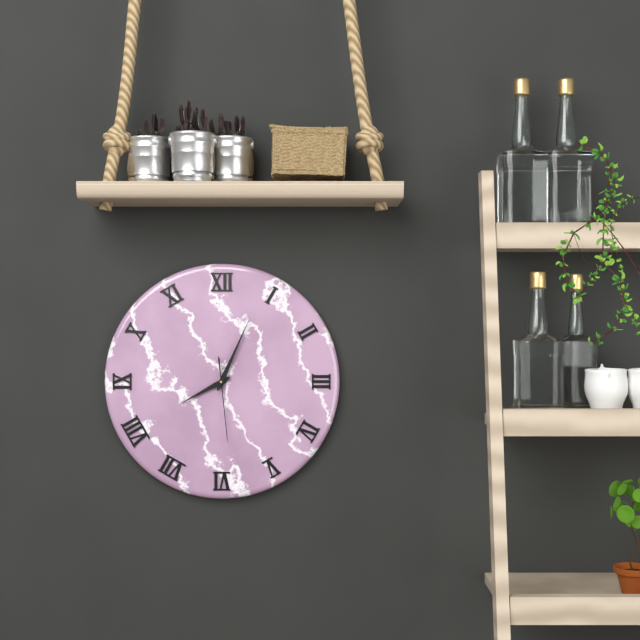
8,04,29
